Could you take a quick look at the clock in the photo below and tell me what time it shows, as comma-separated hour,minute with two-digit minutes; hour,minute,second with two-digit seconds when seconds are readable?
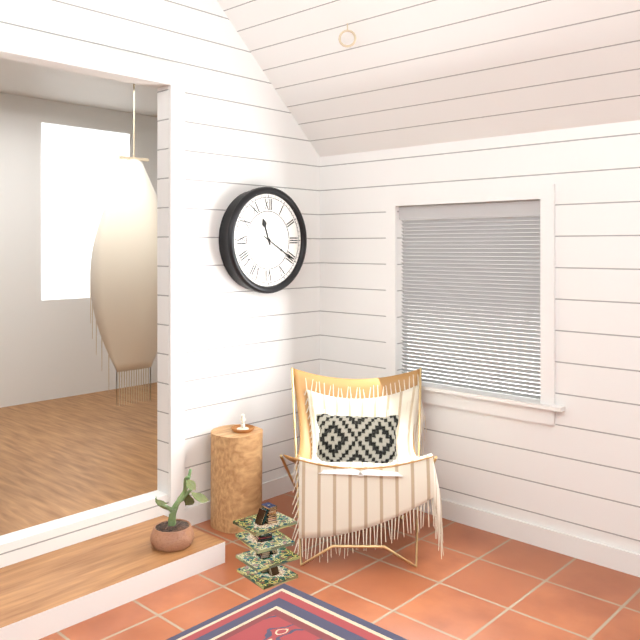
11,20
